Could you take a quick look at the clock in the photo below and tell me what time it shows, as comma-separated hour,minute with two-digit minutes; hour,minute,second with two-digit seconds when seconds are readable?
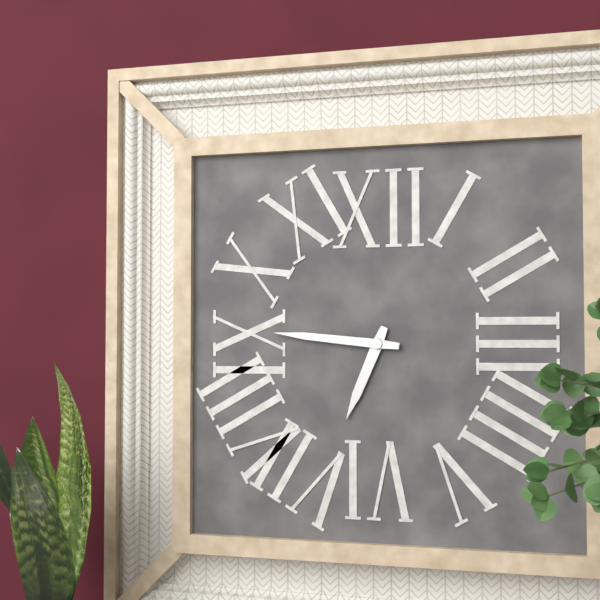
6,46
